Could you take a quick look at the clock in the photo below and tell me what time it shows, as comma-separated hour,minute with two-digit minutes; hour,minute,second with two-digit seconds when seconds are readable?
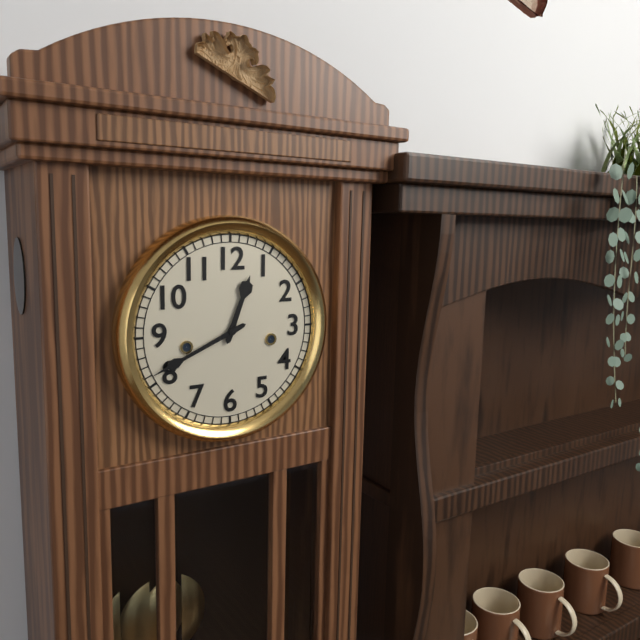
12,41
